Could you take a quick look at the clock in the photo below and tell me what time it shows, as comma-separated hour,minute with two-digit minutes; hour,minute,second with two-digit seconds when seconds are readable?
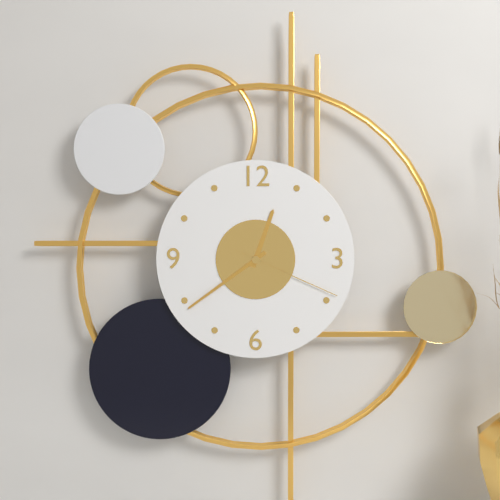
12,39,19
